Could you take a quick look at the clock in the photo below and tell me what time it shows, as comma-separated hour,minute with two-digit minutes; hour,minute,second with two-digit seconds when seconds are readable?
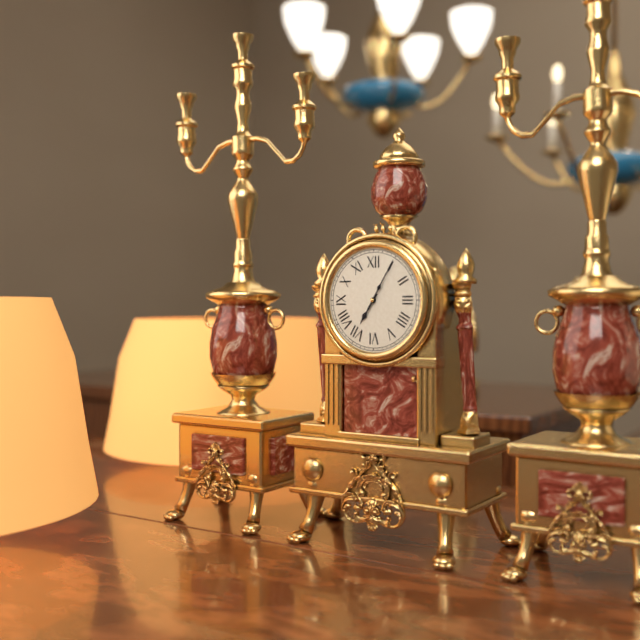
7,05
